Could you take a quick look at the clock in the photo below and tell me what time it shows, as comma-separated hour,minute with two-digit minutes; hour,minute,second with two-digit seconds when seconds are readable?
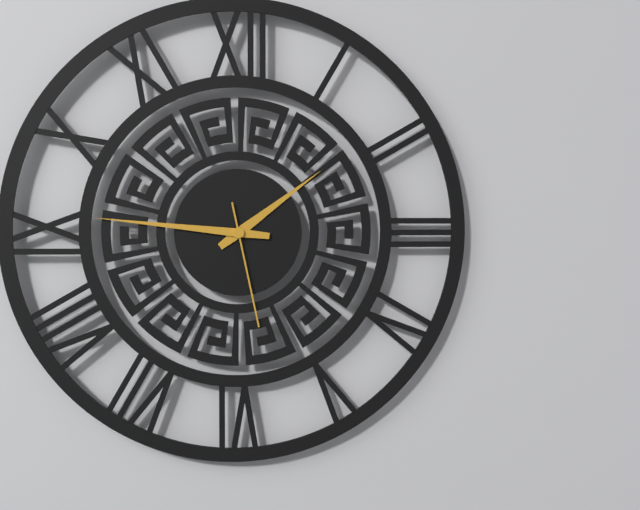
1,46,28
